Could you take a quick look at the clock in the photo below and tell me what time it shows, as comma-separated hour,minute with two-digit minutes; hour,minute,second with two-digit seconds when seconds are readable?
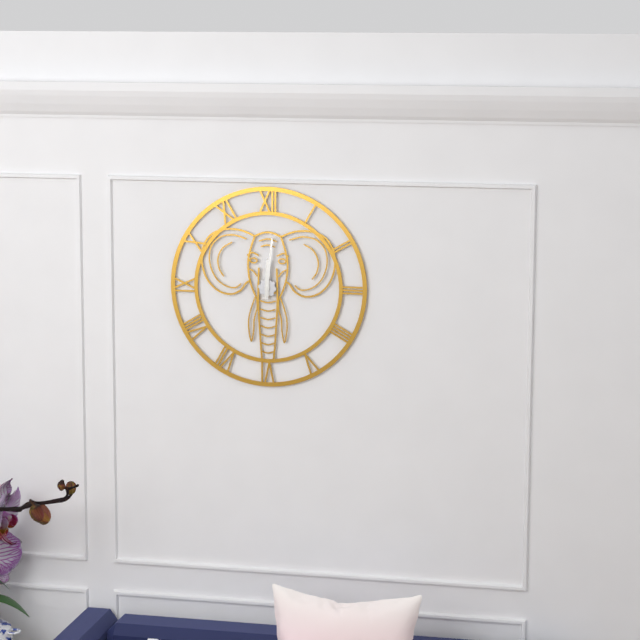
12,01
